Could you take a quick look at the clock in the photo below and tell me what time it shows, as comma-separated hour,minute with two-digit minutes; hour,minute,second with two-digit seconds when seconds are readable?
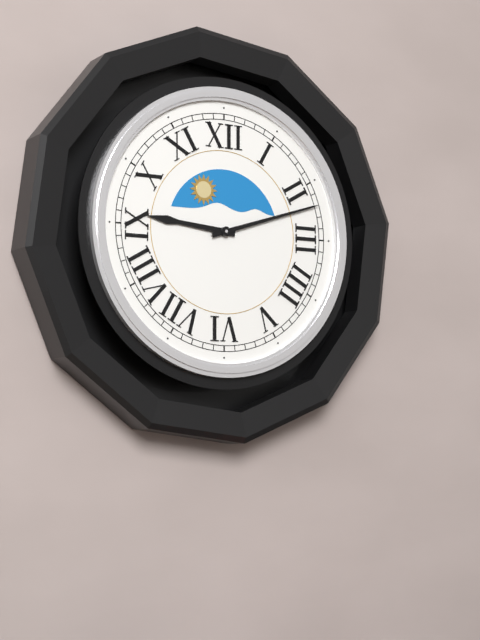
9,12
